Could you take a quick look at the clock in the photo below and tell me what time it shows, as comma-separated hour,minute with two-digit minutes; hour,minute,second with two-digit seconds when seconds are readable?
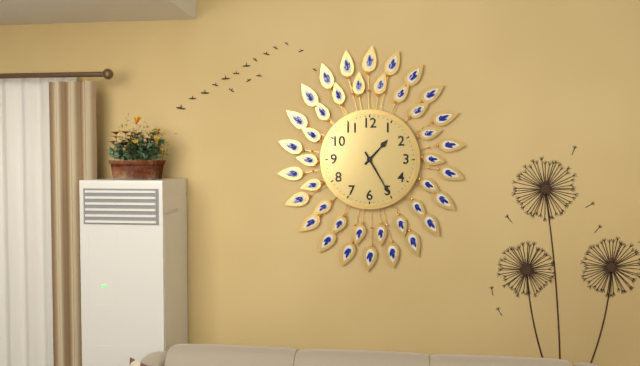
1,25
